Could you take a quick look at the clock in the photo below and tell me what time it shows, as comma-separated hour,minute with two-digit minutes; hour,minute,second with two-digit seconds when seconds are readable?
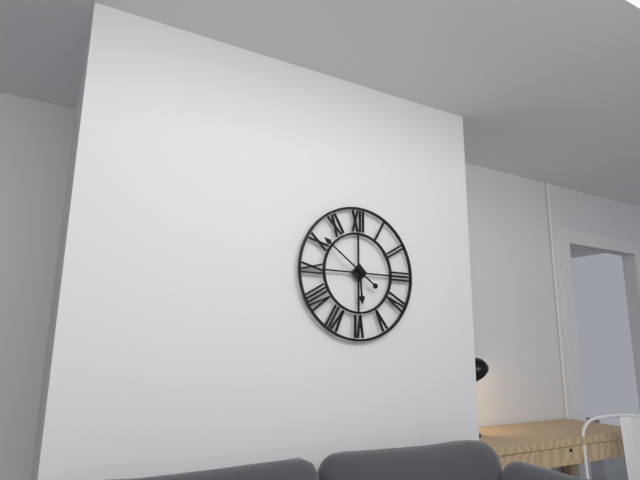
5,51
